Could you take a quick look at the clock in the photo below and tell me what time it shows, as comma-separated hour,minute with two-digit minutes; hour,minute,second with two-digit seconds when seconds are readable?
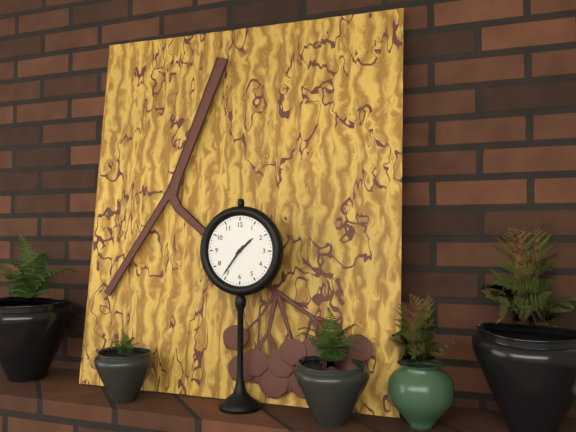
1,36
